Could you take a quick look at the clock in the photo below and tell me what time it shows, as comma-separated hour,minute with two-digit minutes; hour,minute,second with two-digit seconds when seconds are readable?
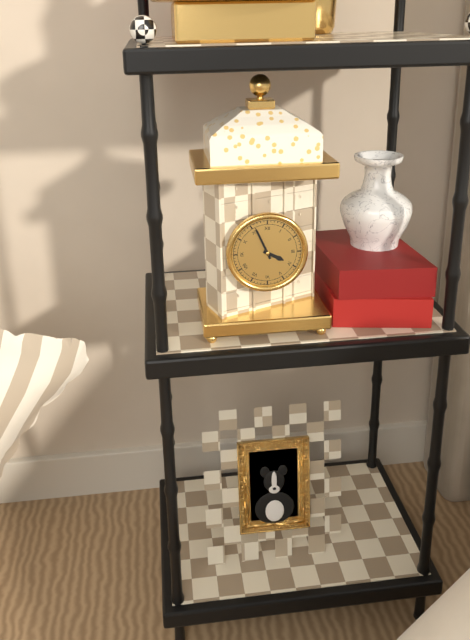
3,56
